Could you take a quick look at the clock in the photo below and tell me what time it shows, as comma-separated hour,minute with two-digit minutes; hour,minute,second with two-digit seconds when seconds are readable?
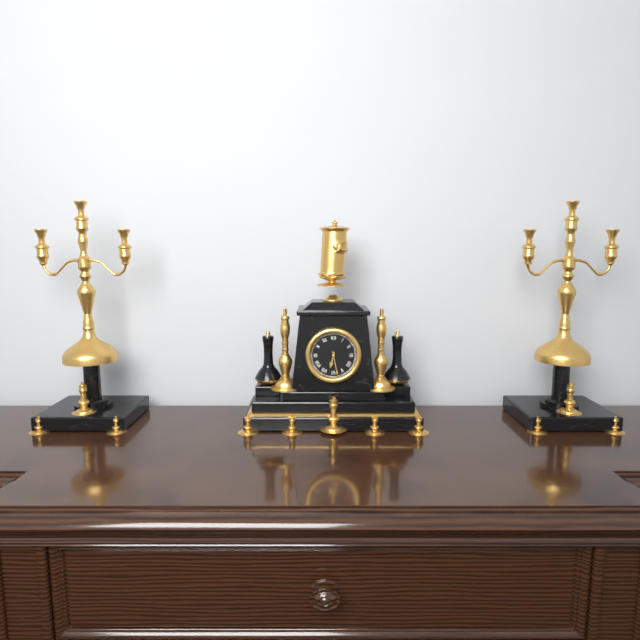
6,28
